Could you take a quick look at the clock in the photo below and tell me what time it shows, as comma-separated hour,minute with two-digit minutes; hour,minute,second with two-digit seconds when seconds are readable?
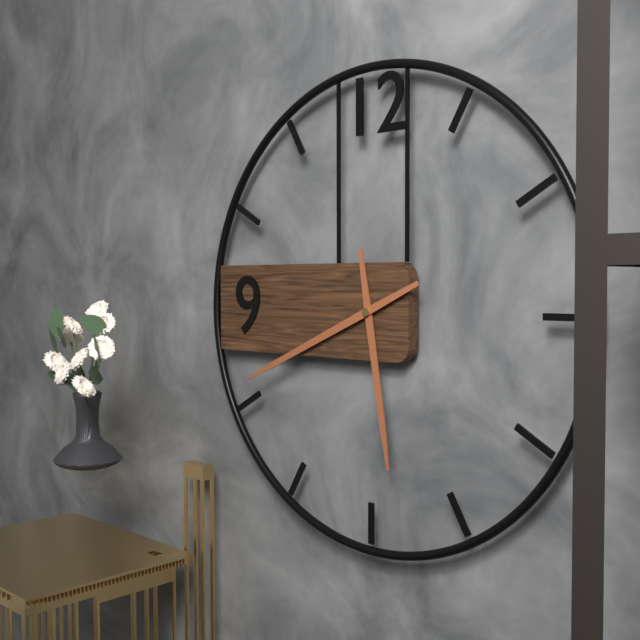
5,41
